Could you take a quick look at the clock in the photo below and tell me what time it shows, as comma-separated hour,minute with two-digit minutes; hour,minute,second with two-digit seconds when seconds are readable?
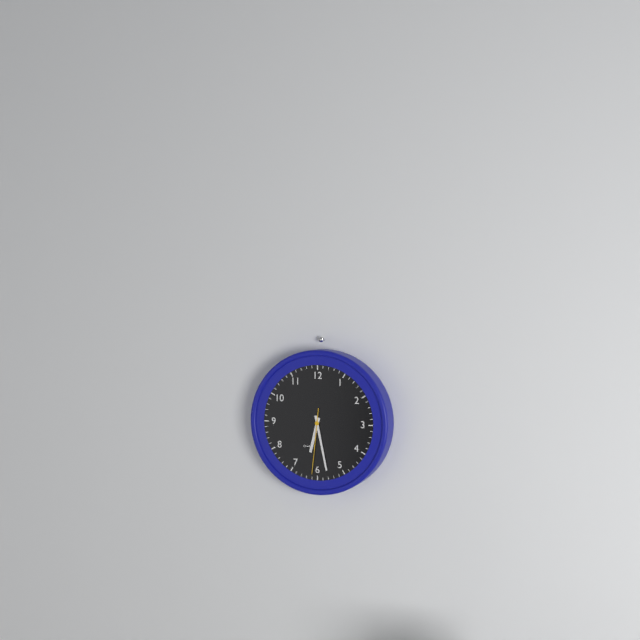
6,28,31
